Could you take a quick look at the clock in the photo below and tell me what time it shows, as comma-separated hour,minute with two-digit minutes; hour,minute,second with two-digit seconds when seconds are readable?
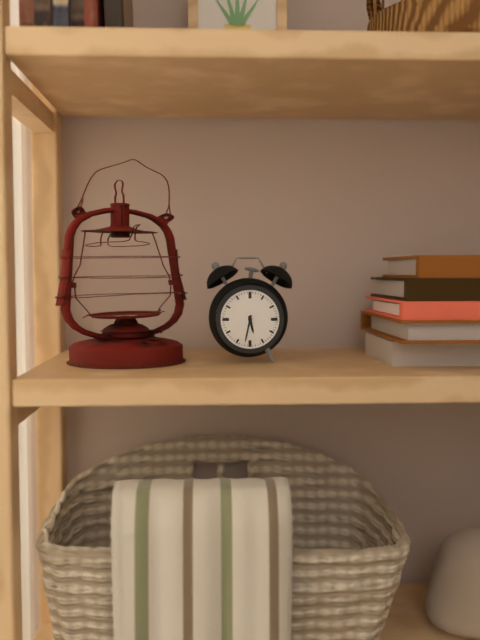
5,32
